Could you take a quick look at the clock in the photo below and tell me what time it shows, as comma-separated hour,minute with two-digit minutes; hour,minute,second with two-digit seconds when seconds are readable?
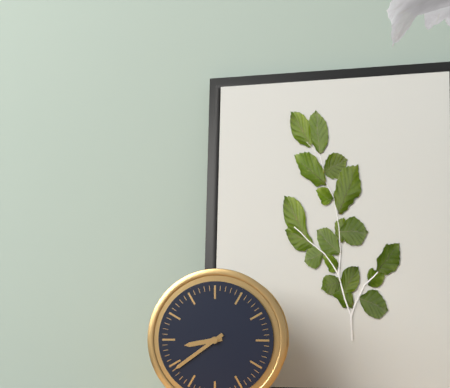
8,39
